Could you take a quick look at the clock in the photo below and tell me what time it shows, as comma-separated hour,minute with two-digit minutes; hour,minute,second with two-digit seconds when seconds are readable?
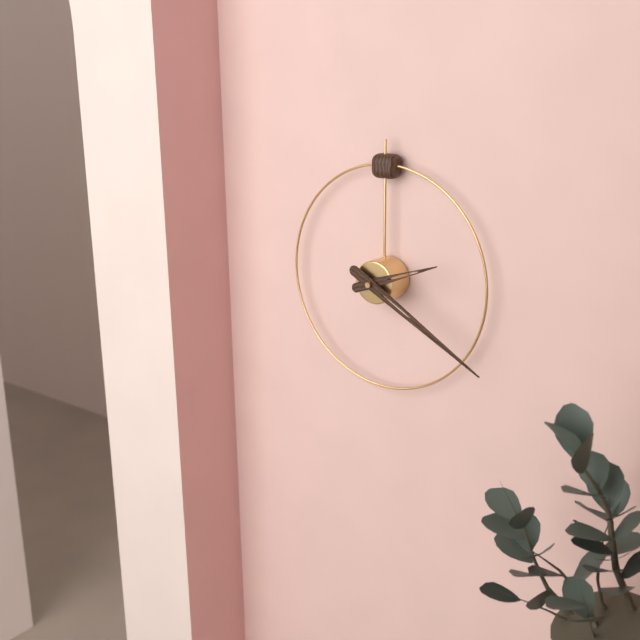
2,20
